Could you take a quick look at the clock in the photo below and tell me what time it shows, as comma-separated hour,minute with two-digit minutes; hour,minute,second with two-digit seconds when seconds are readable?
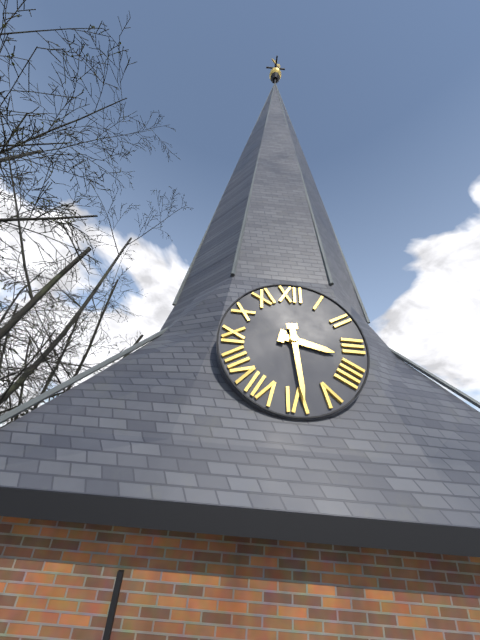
3,29
